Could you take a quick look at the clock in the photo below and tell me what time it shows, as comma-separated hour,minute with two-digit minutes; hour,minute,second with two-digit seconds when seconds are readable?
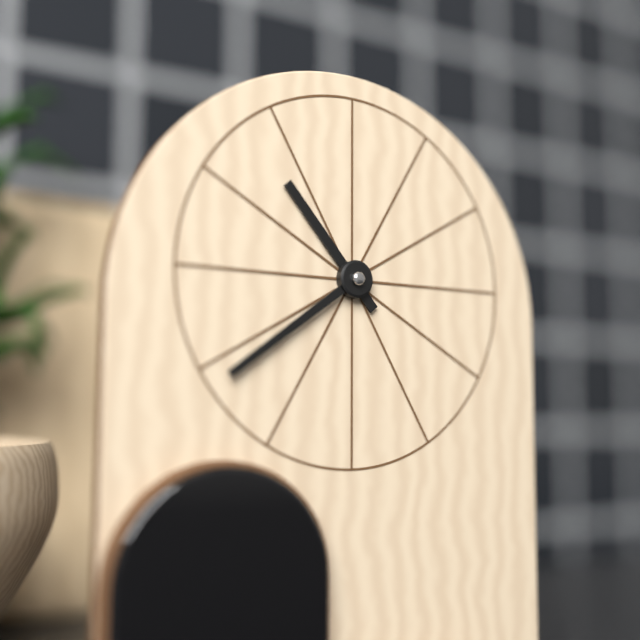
10,39
